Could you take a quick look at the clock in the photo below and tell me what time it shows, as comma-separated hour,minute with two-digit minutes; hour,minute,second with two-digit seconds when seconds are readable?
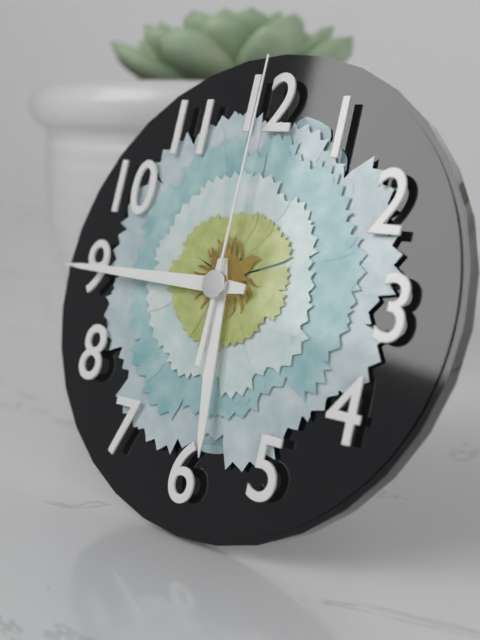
5,45,00
